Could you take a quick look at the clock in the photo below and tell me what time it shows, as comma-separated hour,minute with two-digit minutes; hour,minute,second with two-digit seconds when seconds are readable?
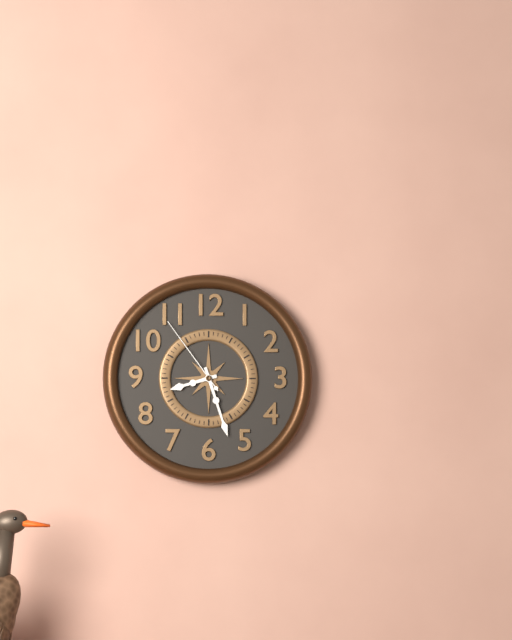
8,27,54
